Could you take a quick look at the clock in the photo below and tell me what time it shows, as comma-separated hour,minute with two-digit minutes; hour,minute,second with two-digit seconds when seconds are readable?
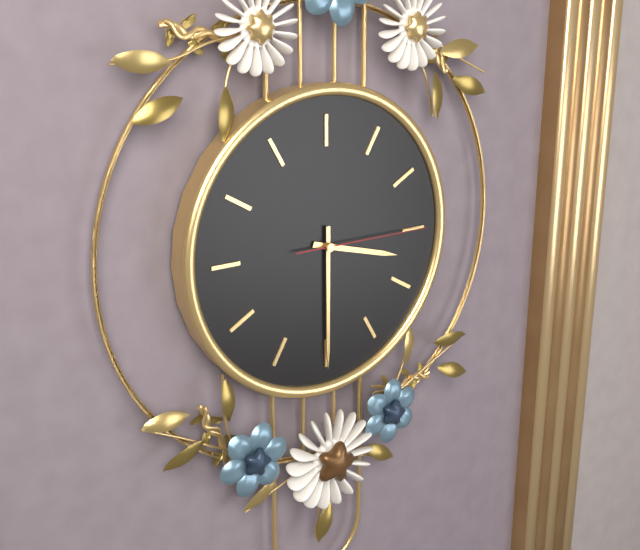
3,30,15
